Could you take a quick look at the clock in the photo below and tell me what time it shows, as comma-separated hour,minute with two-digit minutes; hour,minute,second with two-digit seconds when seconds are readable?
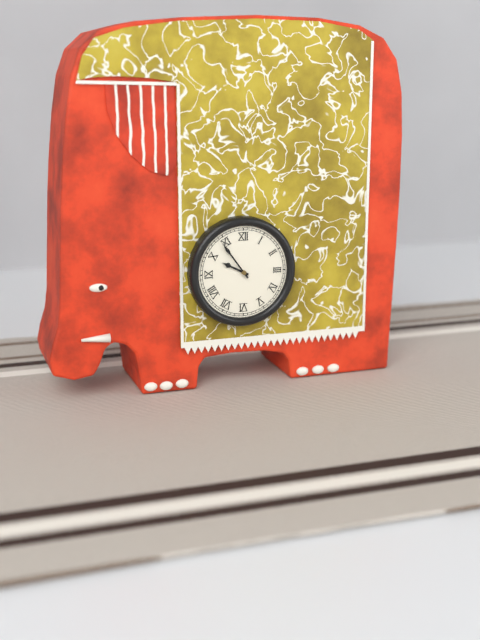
9,54
